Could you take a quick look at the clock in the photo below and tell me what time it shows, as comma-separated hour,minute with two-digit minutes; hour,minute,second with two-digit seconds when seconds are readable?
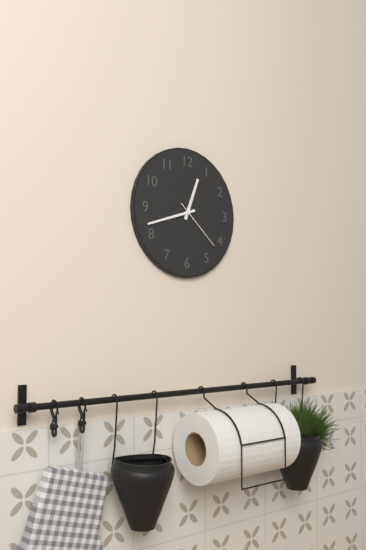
12,42,22
